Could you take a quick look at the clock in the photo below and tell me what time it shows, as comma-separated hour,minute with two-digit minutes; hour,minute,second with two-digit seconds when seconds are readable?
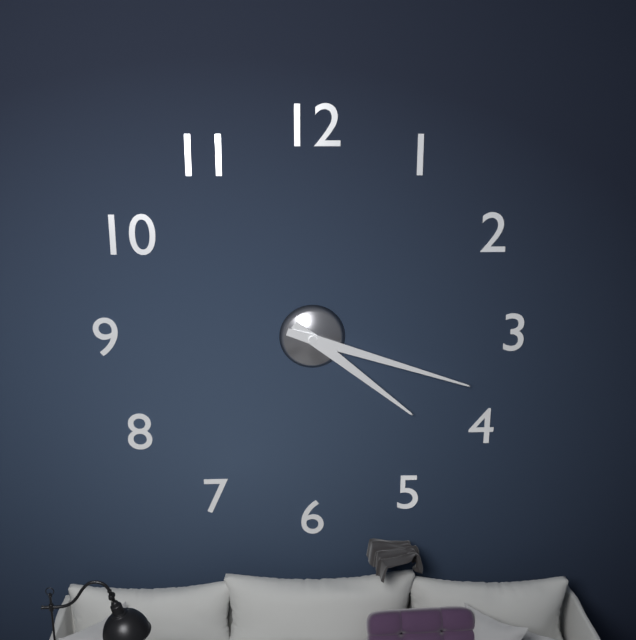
4,18
